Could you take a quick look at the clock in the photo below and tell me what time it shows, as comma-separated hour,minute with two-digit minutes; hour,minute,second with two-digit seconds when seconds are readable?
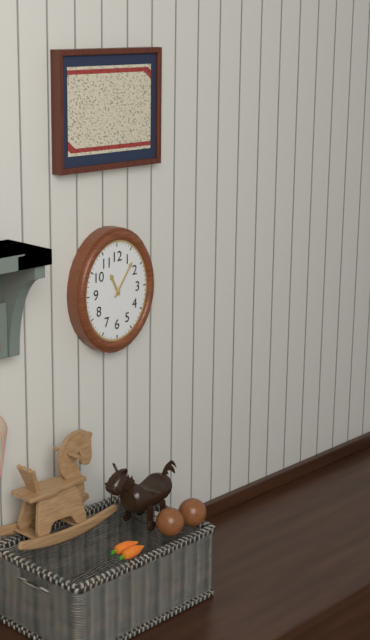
11,06
